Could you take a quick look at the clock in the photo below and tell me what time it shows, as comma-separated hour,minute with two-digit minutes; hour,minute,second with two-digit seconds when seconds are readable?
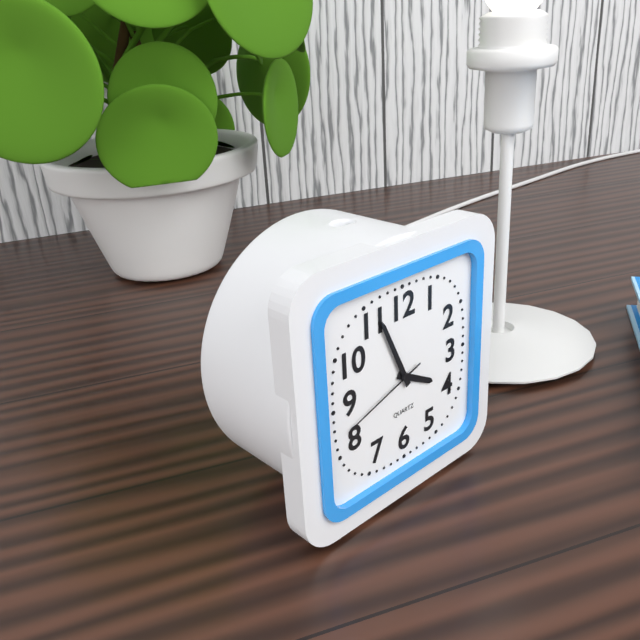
3,56,42
